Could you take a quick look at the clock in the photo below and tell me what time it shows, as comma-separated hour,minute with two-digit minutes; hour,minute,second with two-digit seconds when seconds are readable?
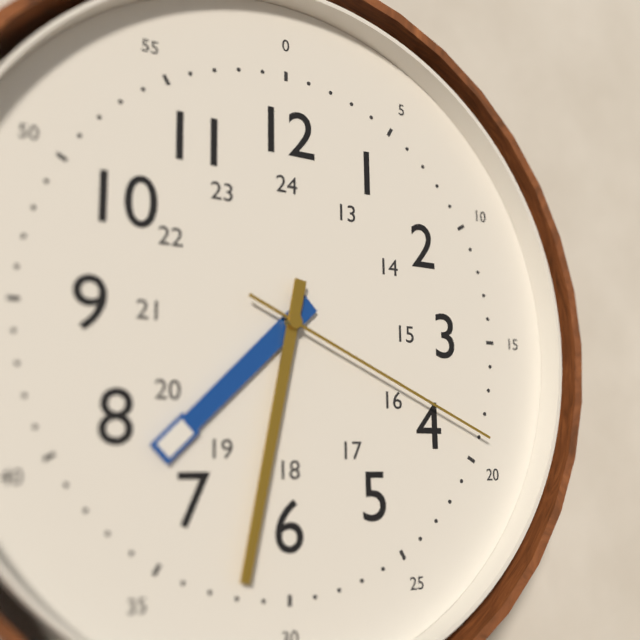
7,32,19
